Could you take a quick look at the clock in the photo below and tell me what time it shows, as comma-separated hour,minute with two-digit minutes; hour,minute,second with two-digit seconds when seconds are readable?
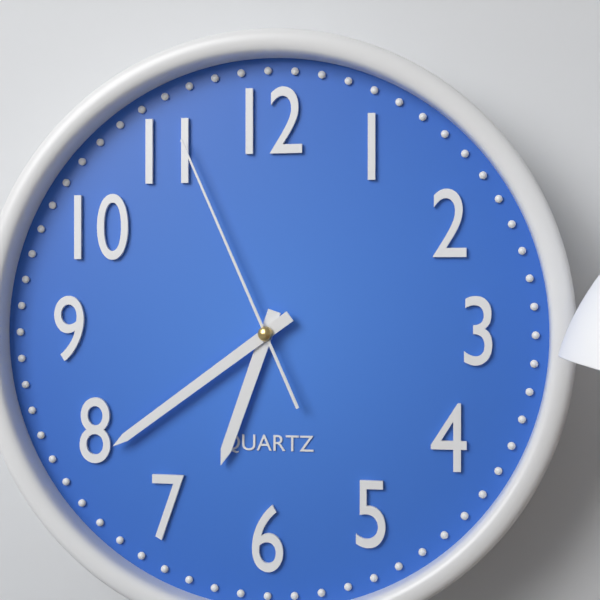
6,39,56
